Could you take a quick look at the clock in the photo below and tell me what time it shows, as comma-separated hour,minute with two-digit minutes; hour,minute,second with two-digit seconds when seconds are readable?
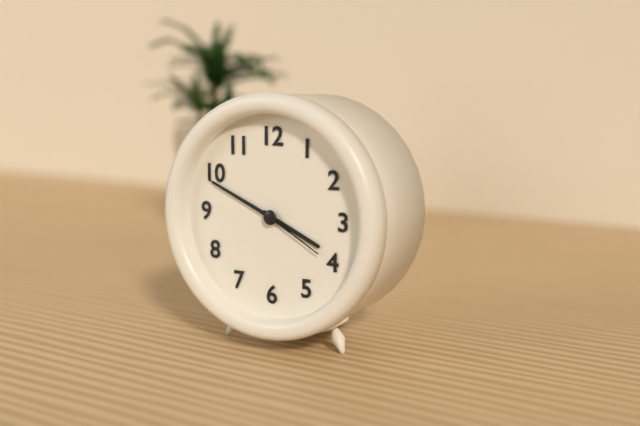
3,49,20
